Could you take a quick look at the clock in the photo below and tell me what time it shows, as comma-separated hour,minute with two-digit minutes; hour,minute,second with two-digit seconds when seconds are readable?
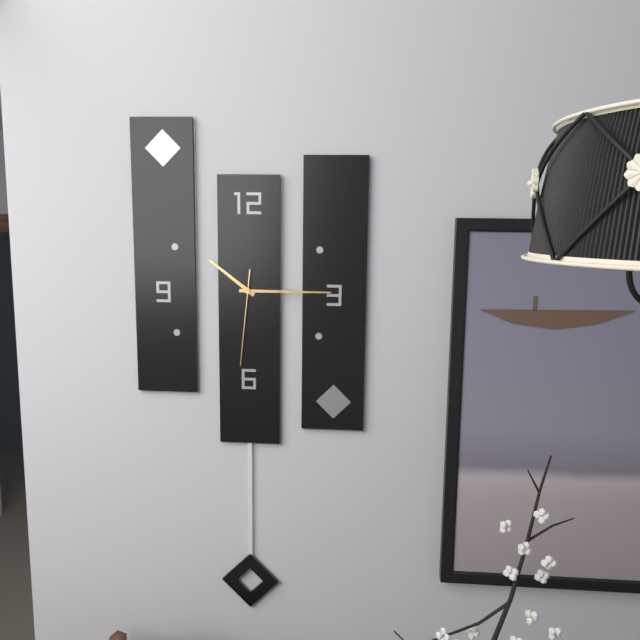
10,15,31
